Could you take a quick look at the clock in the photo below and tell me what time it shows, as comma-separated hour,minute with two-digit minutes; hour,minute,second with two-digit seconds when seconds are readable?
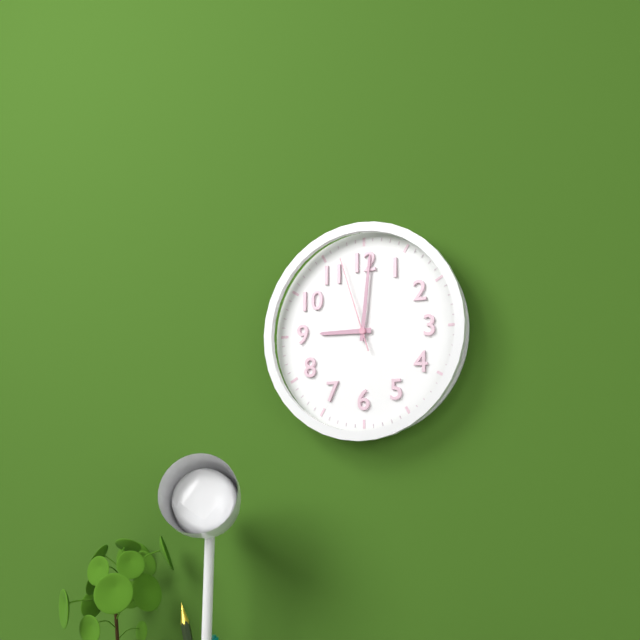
9,01,57
